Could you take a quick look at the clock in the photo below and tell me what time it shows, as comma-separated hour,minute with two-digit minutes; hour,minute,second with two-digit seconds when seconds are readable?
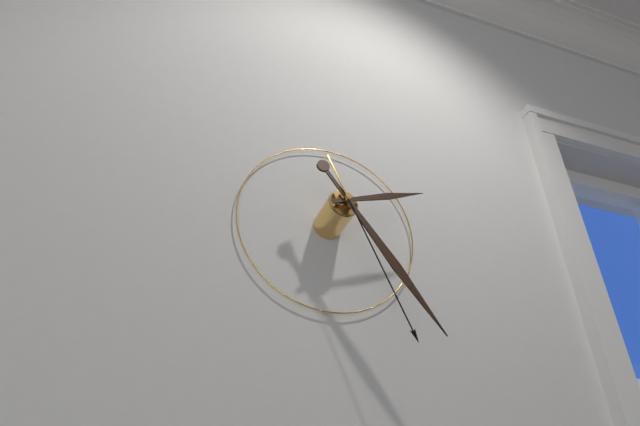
2,24,26
